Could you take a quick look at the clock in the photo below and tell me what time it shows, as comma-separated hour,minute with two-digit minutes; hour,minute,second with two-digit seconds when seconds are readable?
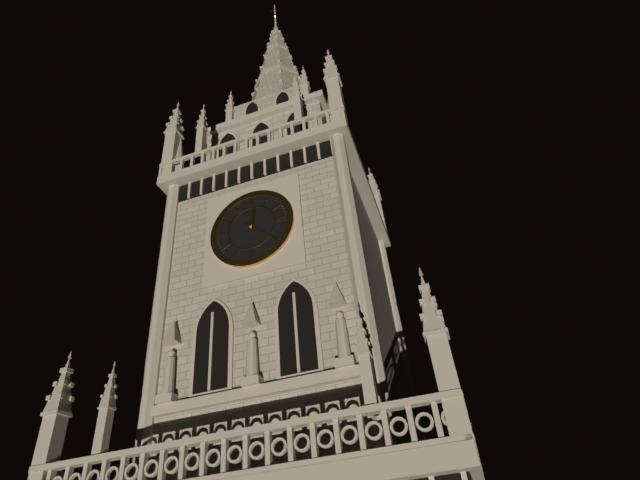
12,22
